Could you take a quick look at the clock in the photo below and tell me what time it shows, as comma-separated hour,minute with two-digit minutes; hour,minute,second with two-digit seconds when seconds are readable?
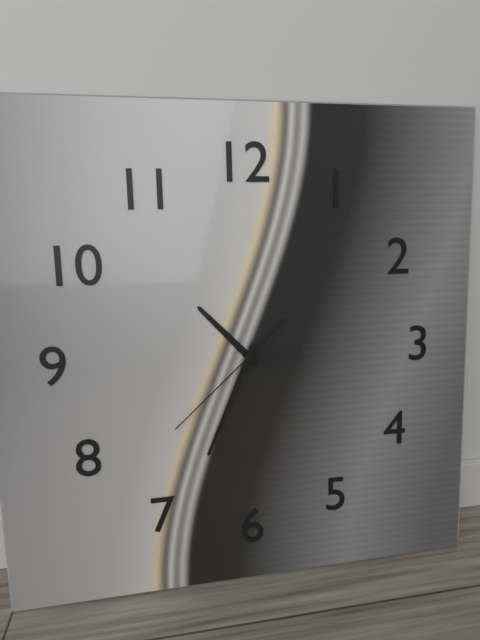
10,34,38
